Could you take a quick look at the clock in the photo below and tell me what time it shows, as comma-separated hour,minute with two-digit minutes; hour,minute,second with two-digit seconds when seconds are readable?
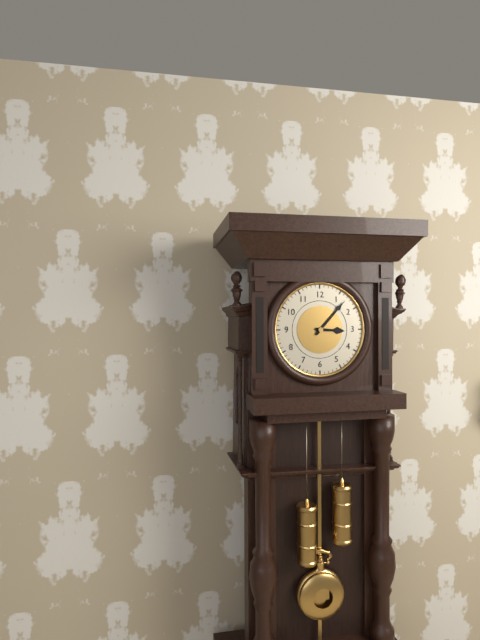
3,07
